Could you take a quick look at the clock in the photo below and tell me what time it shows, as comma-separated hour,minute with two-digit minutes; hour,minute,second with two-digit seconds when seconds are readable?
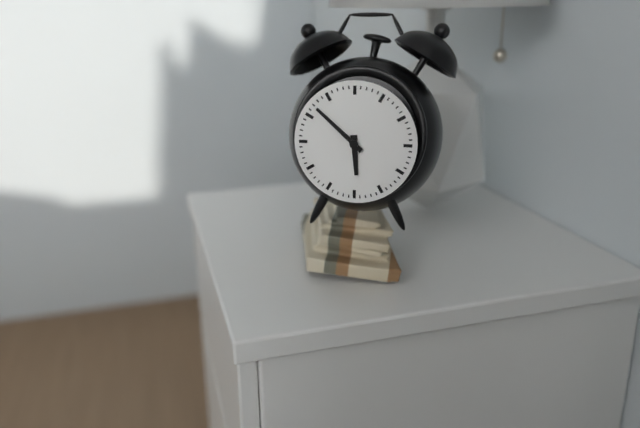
5,52
